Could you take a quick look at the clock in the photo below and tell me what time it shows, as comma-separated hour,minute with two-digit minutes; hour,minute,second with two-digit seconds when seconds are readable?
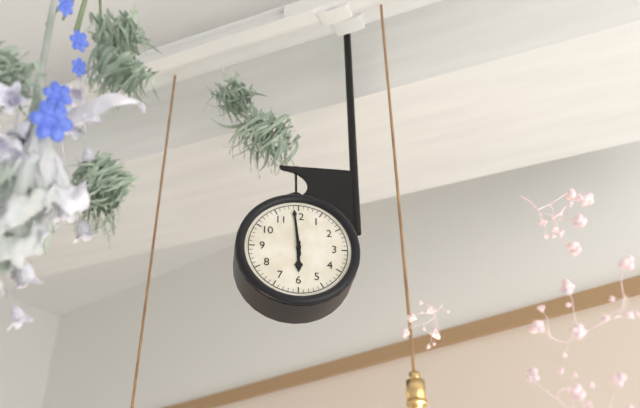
5,59
